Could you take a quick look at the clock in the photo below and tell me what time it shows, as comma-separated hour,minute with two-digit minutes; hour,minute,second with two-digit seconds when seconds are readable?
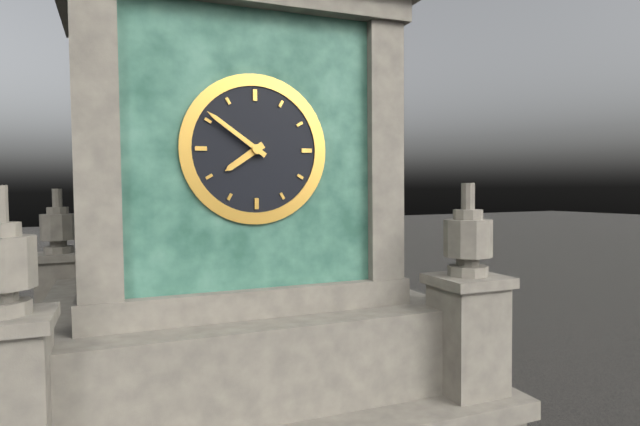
7,51
